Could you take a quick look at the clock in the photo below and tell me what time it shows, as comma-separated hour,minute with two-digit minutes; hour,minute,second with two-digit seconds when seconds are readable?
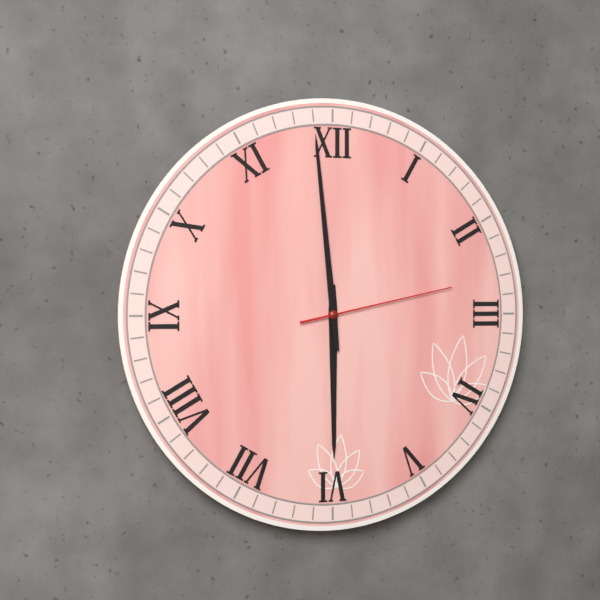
5,59,13
